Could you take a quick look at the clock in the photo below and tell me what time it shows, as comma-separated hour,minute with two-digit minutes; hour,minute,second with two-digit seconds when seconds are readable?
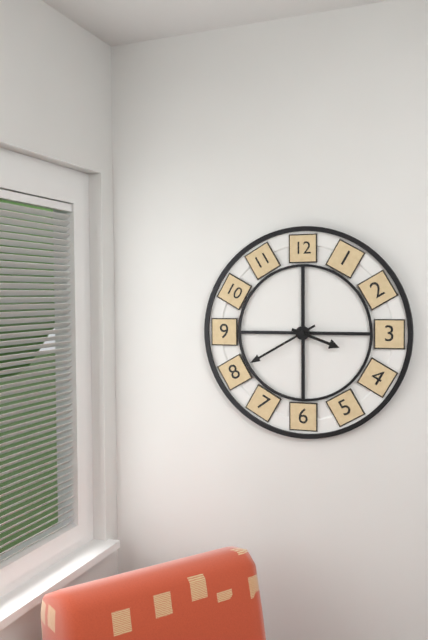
3,40
